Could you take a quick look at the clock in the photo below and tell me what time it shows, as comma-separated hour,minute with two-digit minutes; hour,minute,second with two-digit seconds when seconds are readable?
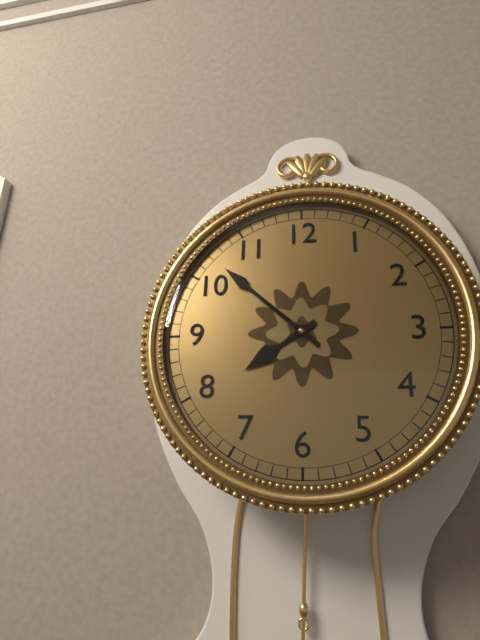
7,52
